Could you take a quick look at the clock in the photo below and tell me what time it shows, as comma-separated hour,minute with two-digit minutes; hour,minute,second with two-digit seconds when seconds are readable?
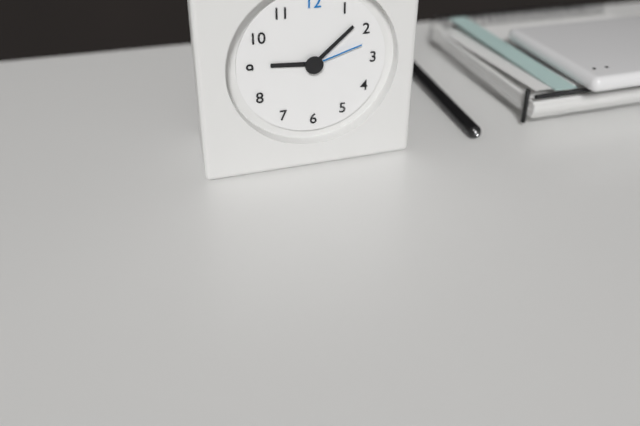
9,08,12
